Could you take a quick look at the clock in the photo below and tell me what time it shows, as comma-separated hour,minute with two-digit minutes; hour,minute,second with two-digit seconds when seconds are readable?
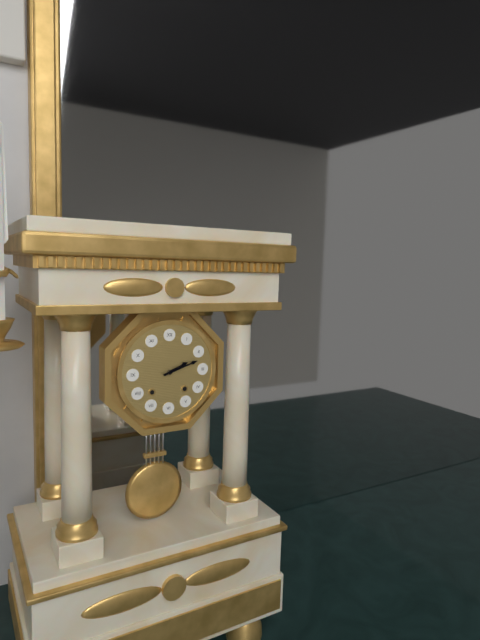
2,12
